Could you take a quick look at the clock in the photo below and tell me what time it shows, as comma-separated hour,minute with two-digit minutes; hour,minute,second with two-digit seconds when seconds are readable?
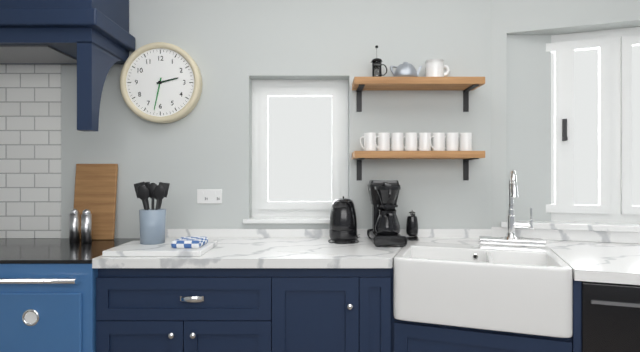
2,32
